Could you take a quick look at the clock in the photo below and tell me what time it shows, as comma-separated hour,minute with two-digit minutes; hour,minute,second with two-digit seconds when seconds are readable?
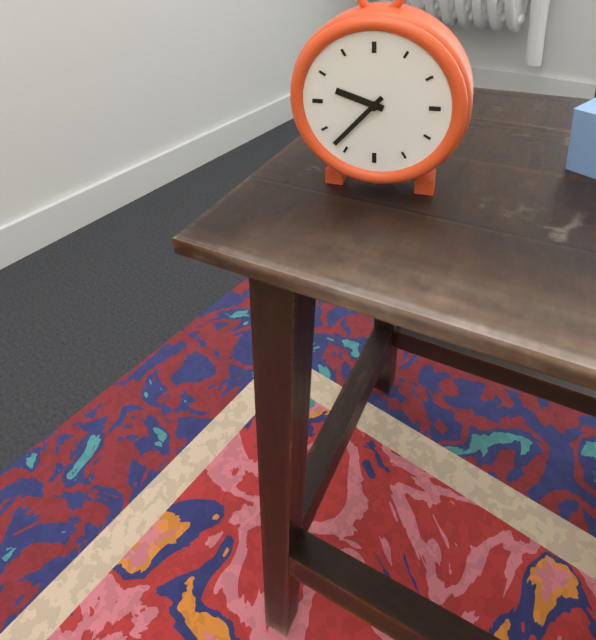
9,37
